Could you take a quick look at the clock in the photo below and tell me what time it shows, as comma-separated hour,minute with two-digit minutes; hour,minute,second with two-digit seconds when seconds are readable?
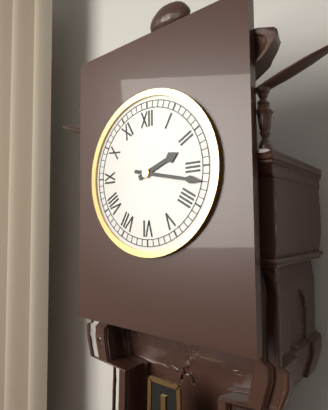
2,17
